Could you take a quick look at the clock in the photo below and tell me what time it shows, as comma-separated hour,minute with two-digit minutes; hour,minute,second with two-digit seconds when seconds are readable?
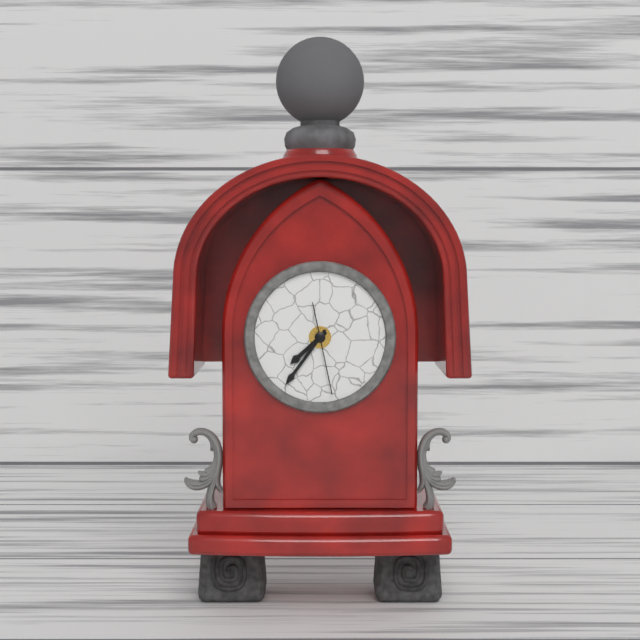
7,36,28
